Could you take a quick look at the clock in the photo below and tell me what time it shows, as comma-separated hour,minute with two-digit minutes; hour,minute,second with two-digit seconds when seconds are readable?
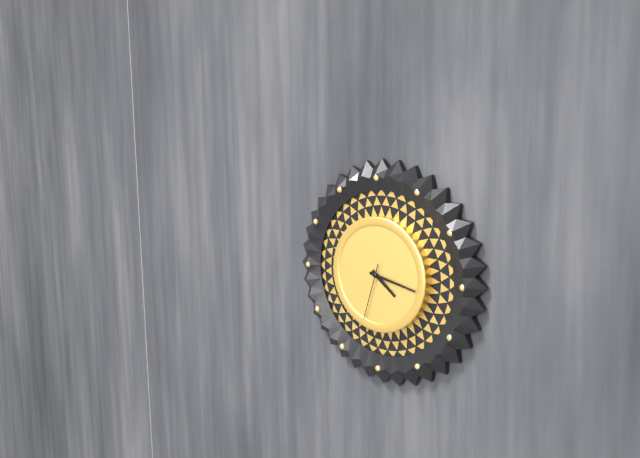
4,17,33
